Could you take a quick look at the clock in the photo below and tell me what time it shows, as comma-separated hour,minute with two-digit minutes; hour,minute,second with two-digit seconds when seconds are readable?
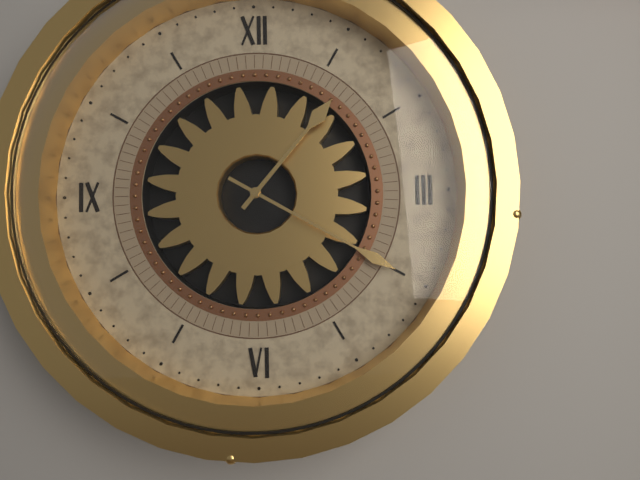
1,20
